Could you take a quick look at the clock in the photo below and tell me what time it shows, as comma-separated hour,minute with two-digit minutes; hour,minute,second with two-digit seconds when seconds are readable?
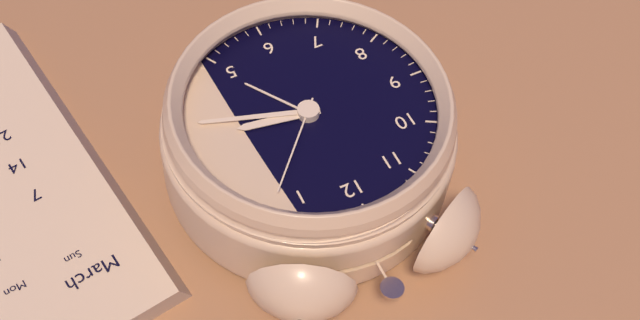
3,18,07
